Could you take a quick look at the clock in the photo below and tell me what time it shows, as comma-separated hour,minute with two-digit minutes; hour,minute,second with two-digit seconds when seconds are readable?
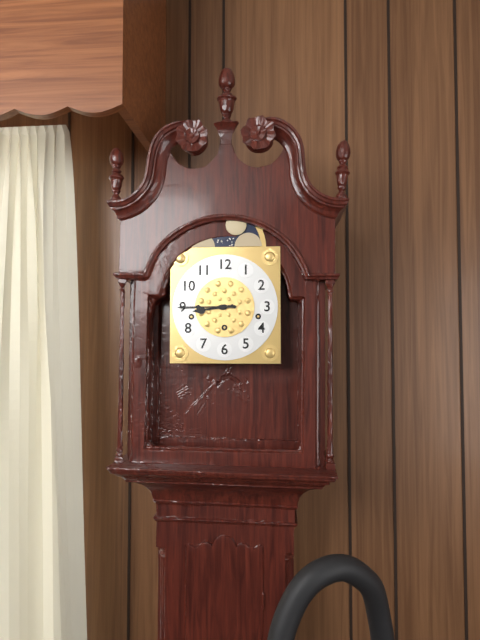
8,45
